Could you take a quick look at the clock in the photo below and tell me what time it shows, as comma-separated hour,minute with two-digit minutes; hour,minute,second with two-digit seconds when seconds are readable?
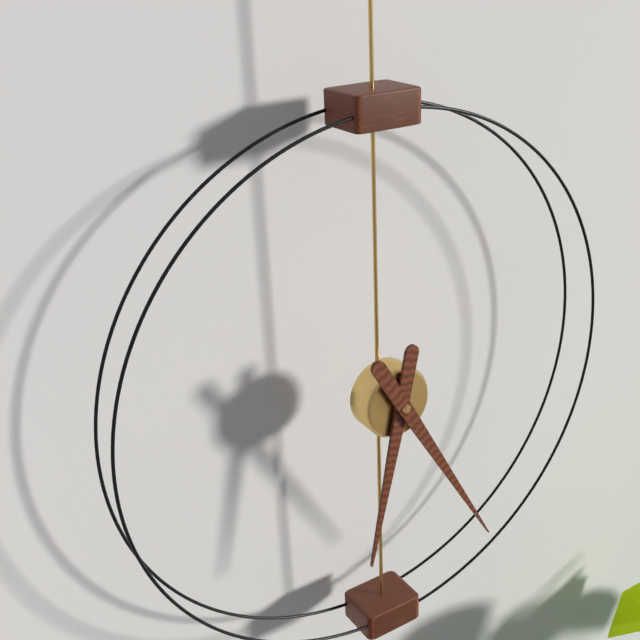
6,25
